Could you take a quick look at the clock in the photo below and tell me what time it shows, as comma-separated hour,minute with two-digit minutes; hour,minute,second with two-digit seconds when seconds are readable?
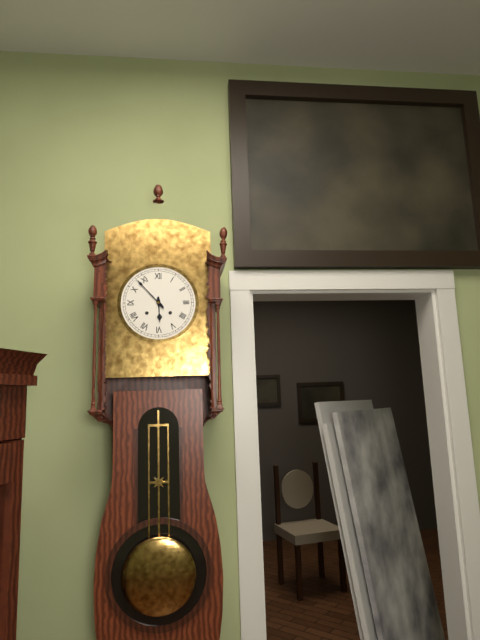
5,53
